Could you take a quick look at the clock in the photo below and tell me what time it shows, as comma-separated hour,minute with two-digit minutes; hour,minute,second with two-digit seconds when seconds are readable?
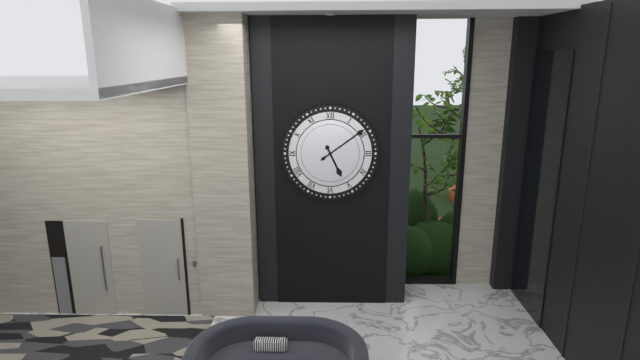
5,09
